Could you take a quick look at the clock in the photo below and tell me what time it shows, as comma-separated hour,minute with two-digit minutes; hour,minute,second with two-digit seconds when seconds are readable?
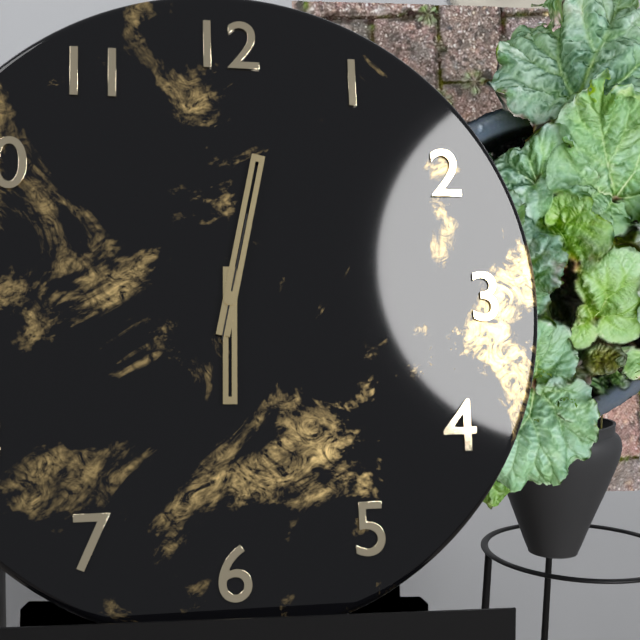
6,02,02
